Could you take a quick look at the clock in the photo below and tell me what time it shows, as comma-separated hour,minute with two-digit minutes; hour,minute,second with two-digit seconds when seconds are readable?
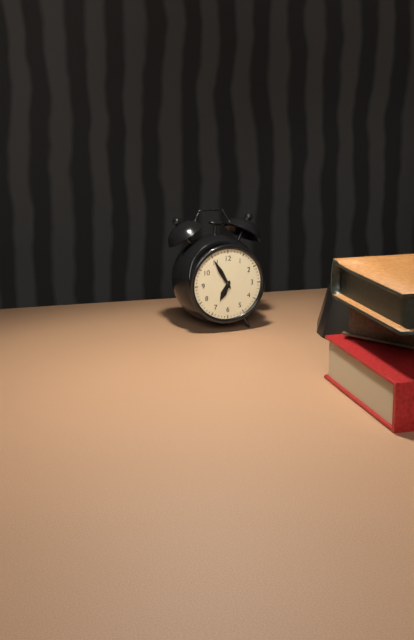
6,55
